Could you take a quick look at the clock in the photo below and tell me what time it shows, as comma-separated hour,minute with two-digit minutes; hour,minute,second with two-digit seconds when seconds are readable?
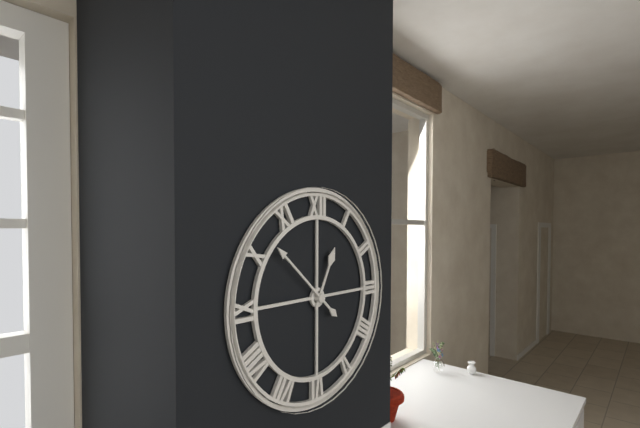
12,52
